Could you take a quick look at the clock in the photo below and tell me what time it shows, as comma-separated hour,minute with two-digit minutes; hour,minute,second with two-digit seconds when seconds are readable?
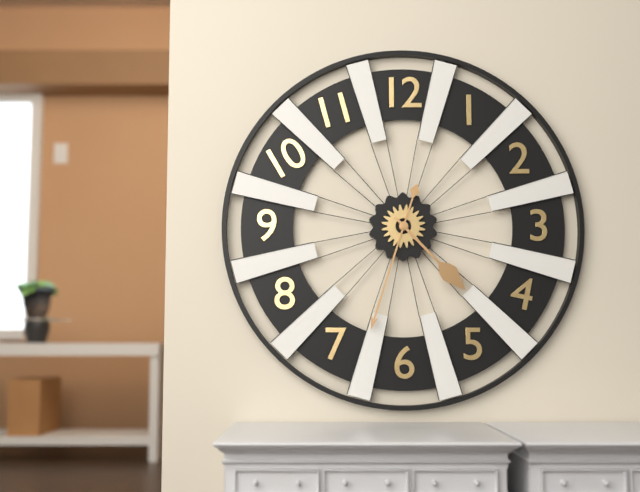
4,33
